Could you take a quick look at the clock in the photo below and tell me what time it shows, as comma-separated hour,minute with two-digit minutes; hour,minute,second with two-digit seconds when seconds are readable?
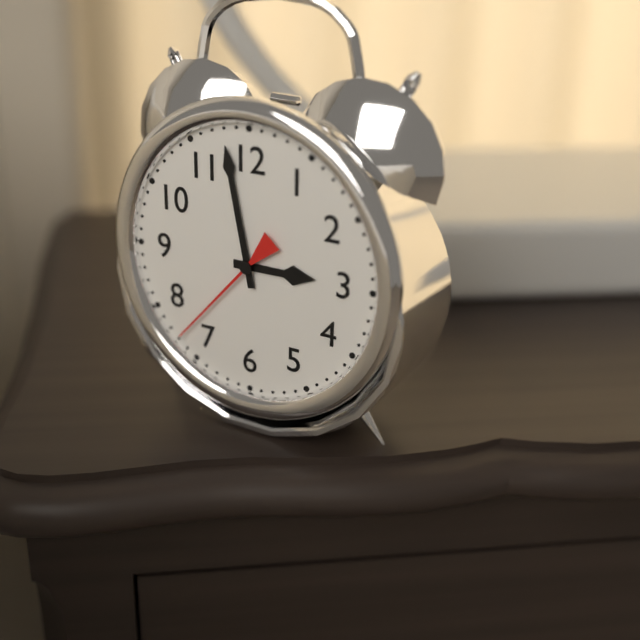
2,58,37
